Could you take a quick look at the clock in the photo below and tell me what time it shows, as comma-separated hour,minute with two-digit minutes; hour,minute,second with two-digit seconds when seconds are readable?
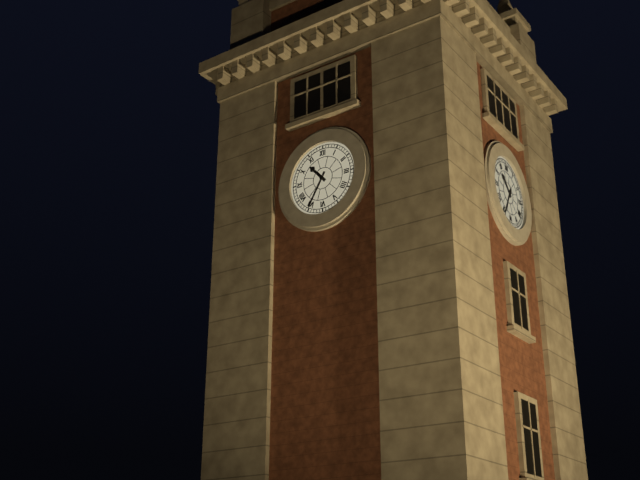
10,35
